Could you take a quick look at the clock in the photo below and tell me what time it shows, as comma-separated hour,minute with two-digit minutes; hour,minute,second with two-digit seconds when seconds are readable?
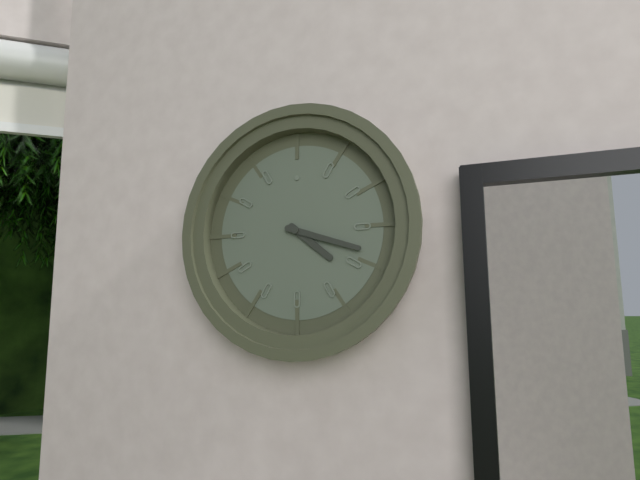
4,18
